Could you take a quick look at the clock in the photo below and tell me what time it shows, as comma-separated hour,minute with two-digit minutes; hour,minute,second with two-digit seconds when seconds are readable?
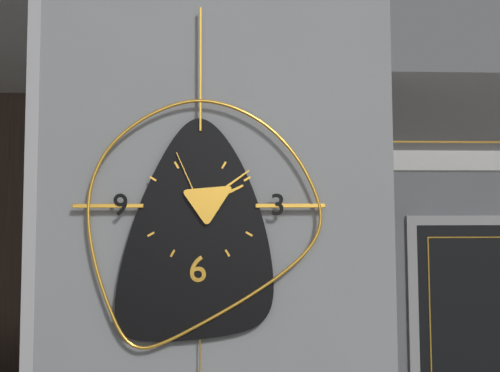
2,09,56
